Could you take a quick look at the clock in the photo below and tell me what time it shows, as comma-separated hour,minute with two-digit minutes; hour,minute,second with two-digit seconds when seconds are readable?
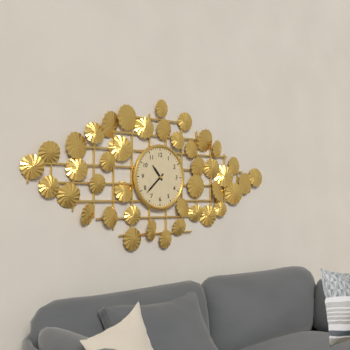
10,38
